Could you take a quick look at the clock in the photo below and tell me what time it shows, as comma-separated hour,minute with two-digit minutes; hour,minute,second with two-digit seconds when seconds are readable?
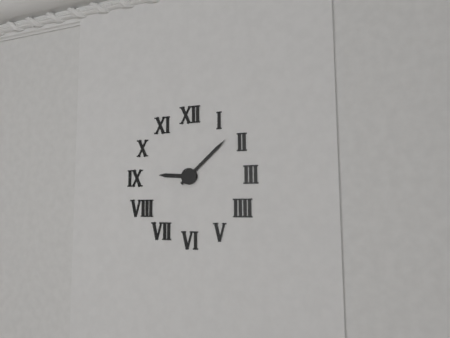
9,08
